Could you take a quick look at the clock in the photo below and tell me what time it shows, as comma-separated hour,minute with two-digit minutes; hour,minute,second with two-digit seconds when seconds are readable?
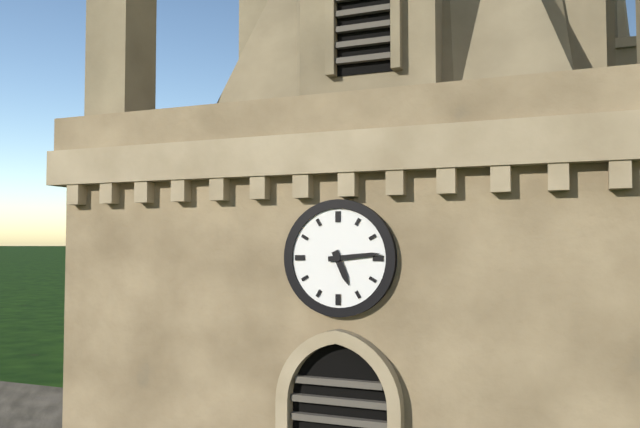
5,14
